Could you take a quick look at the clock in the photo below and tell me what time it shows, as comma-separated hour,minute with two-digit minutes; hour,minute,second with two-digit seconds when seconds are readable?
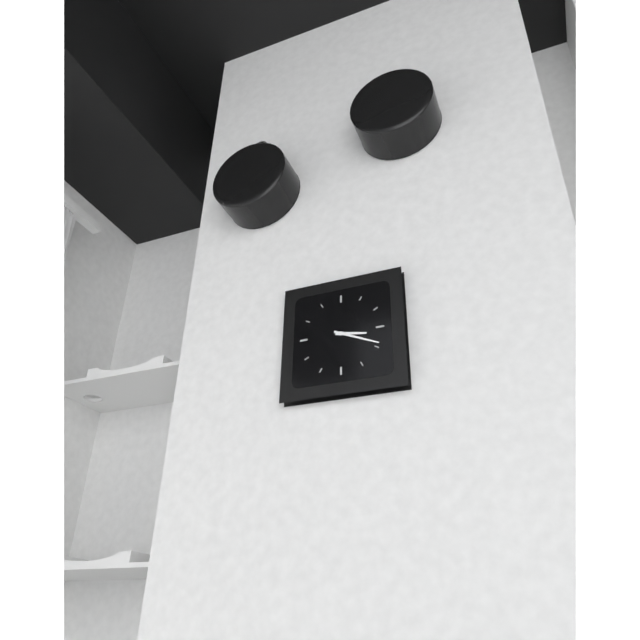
3,19
